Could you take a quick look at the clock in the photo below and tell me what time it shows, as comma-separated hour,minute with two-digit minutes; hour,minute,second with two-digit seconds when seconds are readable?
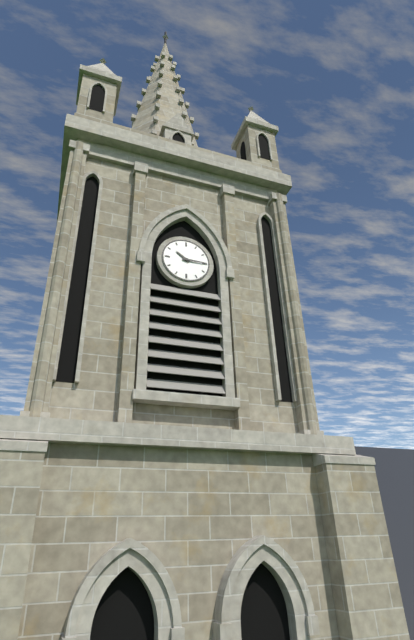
10,15
